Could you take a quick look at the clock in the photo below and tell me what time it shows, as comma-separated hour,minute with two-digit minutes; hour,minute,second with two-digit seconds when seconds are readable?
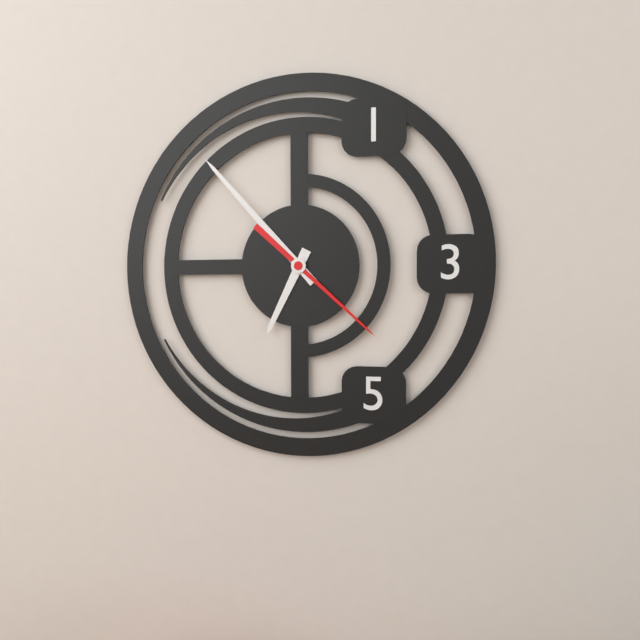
6,53,22
